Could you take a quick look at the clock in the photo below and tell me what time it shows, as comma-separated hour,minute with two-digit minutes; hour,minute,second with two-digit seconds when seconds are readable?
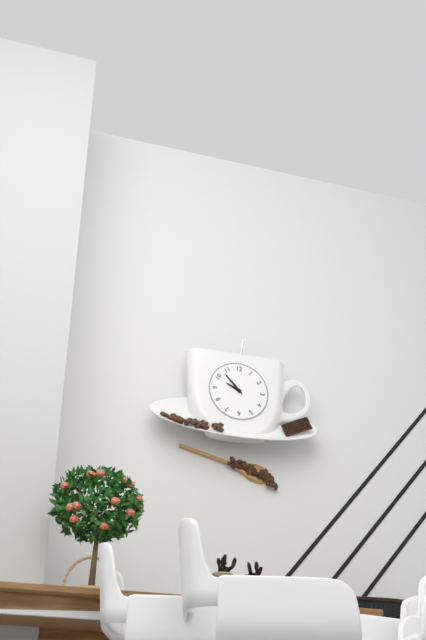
9,53
